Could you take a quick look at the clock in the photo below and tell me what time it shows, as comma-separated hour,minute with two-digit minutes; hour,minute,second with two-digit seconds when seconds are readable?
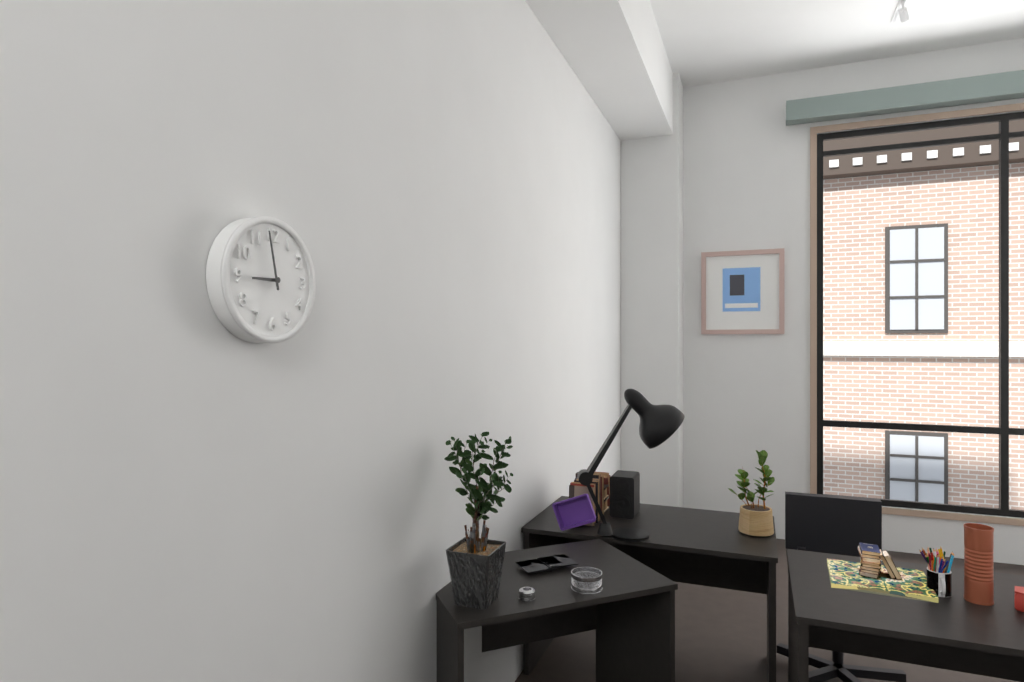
8,58
